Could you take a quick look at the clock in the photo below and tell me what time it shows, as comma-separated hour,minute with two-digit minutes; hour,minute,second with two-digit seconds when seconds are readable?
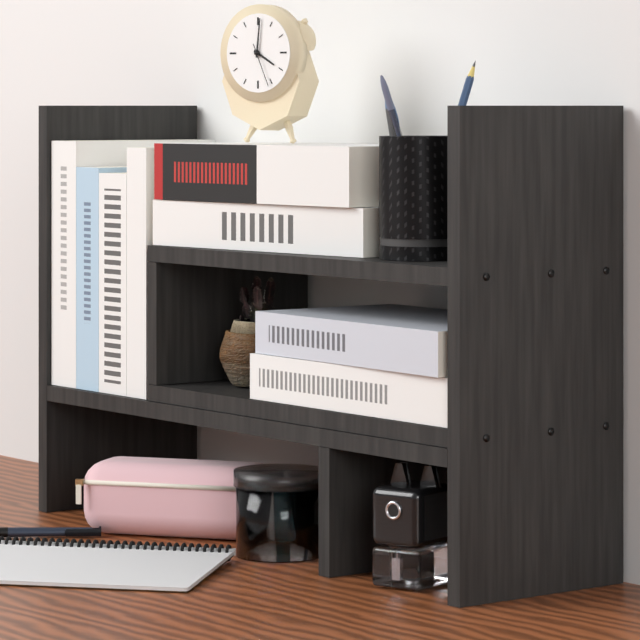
4,01
